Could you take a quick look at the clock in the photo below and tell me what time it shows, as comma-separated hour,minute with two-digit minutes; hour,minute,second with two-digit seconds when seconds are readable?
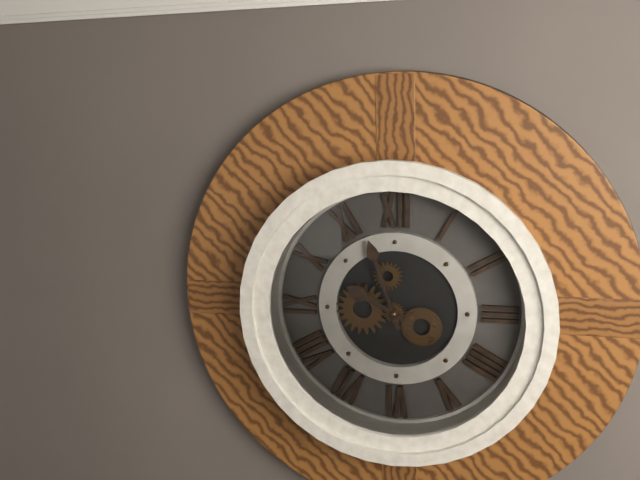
9,57
